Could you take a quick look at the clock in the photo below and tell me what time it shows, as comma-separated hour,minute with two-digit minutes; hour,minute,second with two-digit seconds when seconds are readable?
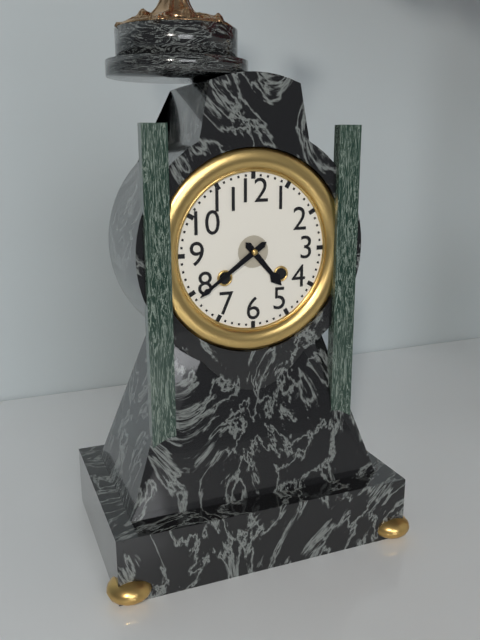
4,39
